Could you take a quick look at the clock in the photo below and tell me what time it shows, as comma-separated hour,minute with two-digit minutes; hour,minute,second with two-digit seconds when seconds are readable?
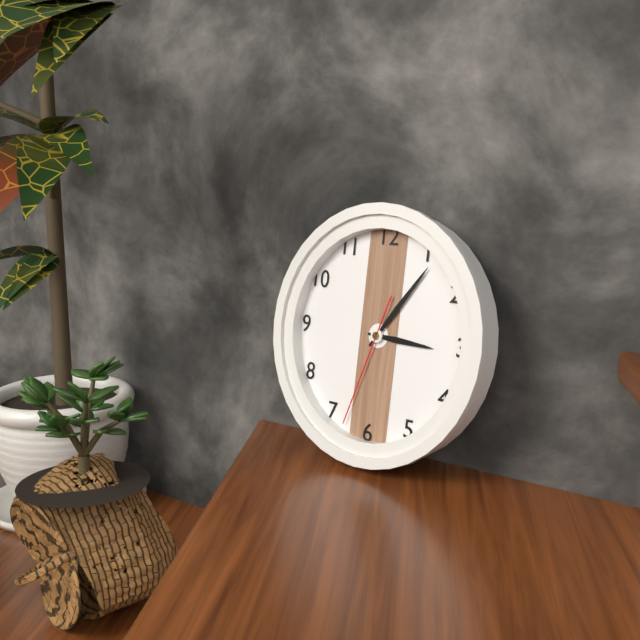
3,06,33
